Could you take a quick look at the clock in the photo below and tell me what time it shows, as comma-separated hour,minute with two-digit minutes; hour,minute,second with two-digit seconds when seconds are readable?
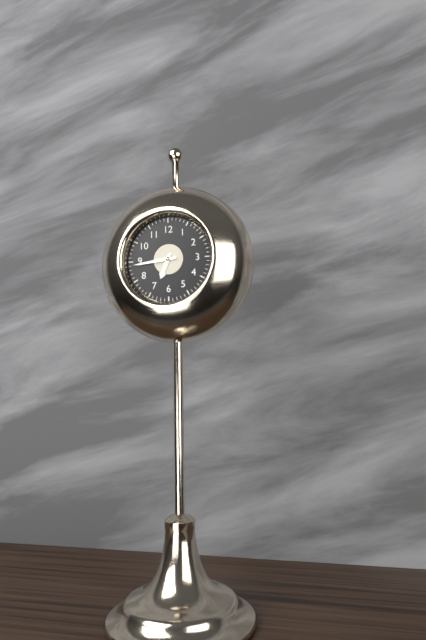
6,44
